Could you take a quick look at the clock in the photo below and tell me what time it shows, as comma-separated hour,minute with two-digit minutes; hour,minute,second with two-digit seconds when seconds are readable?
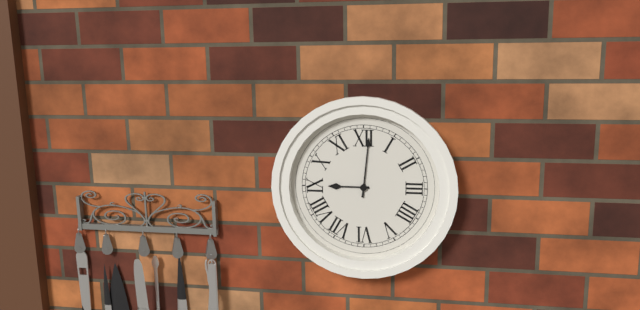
9,01
